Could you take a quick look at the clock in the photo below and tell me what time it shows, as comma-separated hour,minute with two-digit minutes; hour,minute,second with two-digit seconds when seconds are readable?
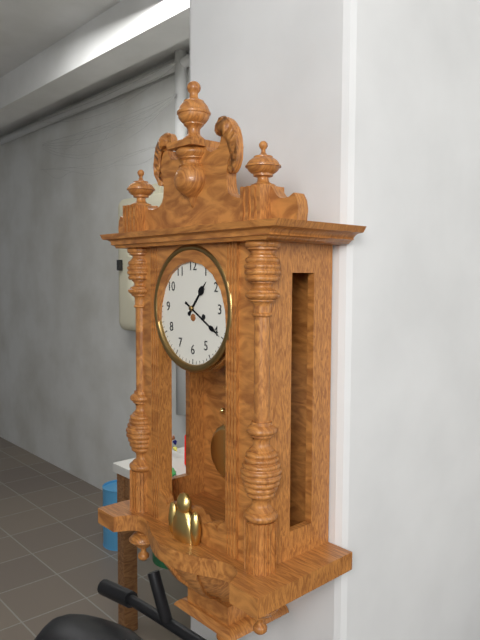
1,20
